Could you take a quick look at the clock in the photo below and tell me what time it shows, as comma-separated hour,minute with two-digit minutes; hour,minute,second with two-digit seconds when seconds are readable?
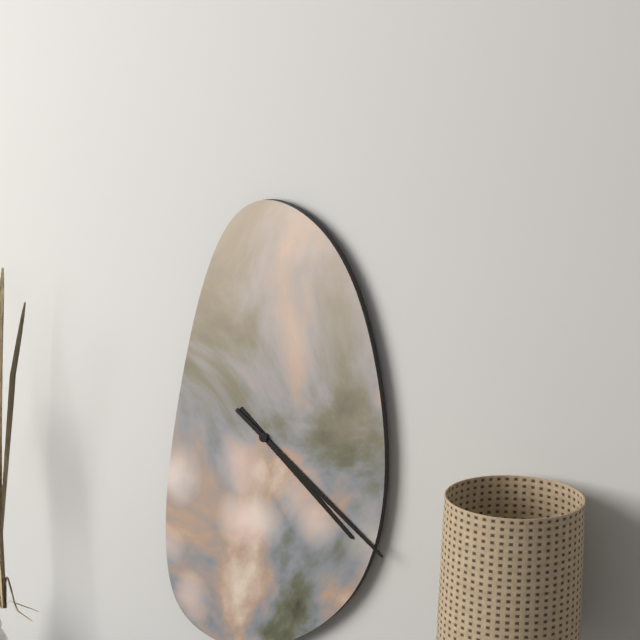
4,21
